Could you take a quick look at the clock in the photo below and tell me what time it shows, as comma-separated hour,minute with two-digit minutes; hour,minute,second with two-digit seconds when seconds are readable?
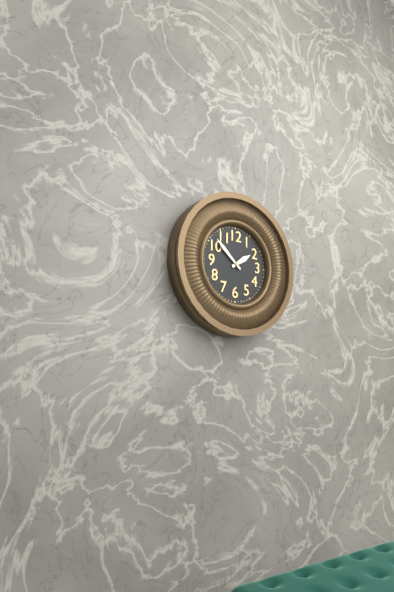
1,52
